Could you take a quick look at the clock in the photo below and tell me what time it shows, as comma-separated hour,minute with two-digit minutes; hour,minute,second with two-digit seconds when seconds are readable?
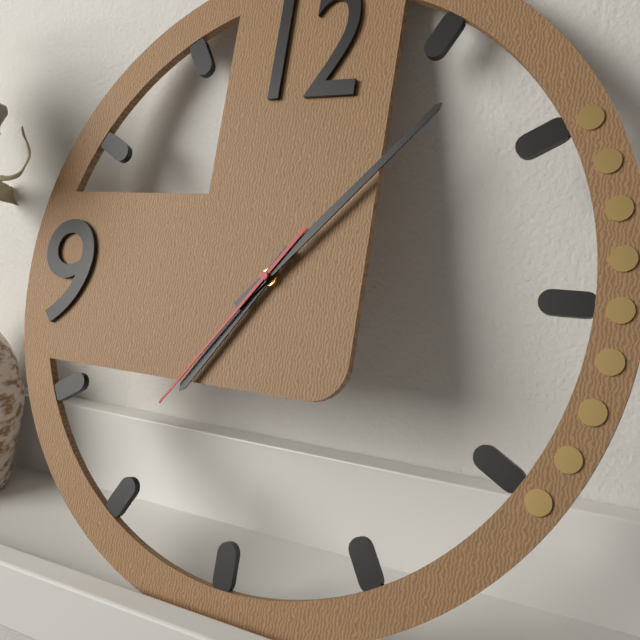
7,07,36
